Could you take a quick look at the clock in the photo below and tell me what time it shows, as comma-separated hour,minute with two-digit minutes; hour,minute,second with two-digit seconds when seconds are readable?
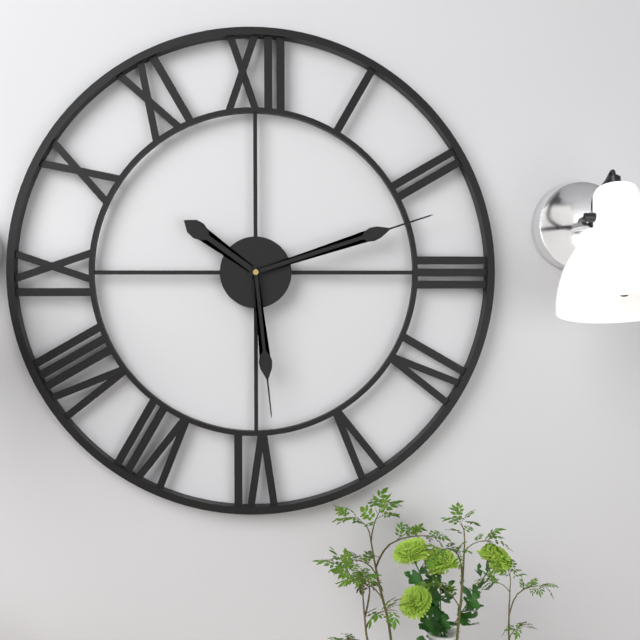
10,12,29
